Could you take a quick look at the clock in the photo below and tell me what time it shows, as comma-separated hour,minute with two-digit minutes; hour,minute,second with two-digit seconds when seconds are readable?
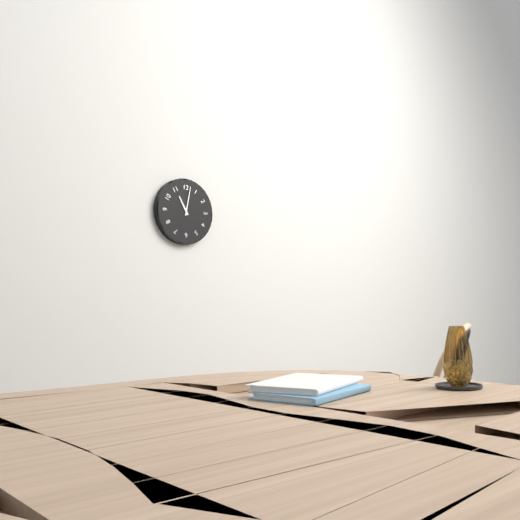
11,02
